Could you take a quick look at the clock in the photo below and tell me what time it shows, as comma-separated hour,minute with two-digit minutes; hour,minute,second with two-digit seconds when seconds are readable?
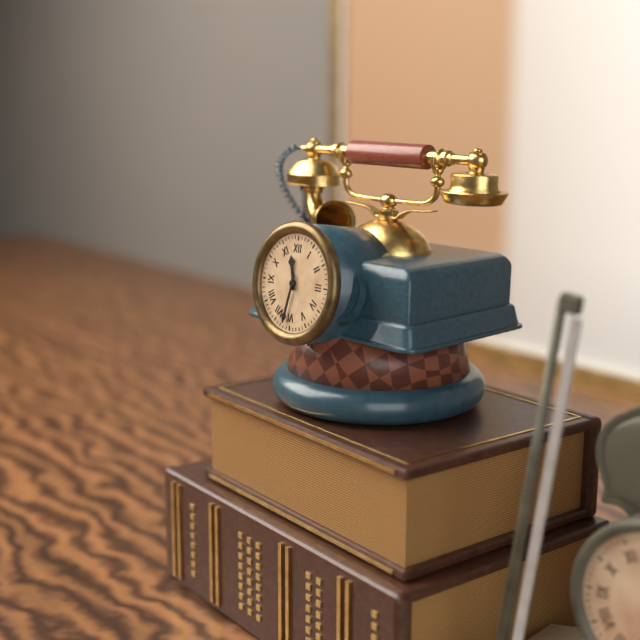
11,32
